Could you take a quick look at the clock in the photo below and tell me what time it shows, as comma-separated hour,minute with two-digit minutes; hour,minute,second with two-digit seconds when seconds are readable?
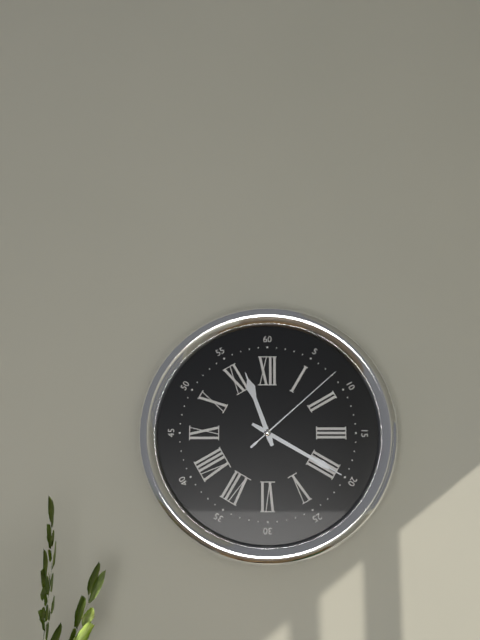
11,20,08
